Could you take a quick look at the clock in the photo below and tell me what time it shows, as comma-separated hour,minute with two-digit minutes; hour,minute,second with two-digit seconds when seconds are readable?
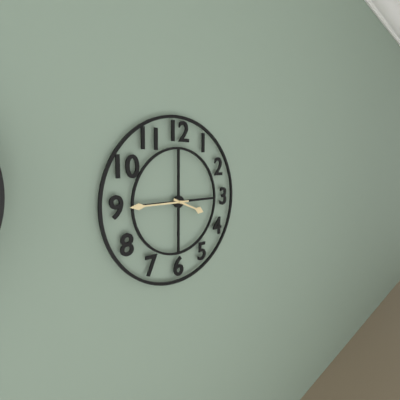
3,45
